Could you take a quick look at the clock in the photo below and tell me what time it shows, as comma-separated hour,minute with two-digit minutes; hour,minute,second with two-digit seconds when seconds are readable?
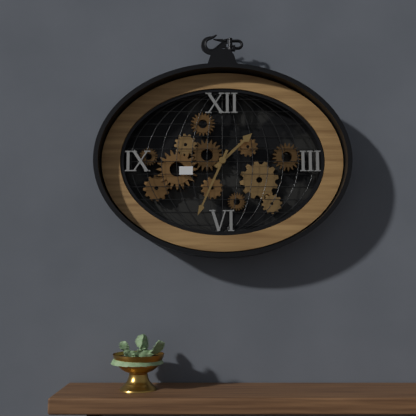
1,34
